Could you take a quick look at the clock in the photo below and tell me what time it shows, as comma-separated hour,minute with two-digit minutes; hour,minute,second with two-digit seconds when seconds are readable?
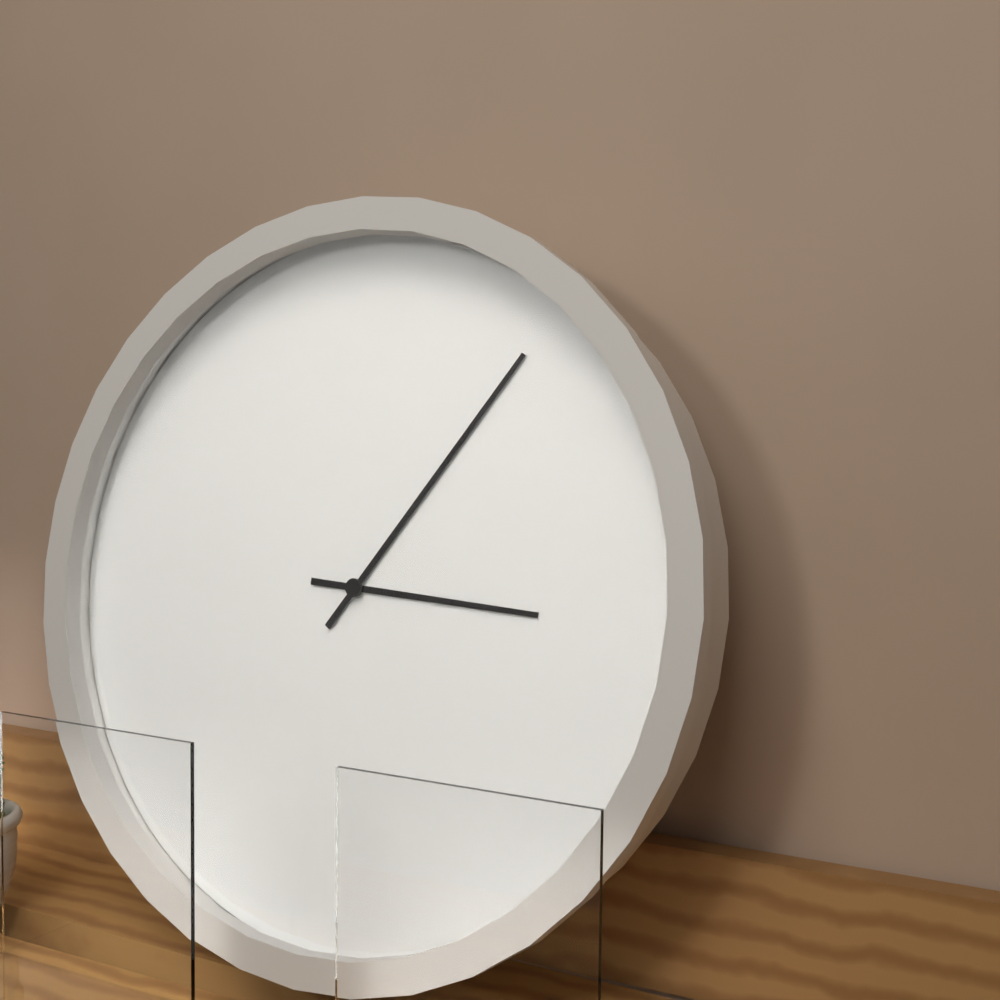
3,06
